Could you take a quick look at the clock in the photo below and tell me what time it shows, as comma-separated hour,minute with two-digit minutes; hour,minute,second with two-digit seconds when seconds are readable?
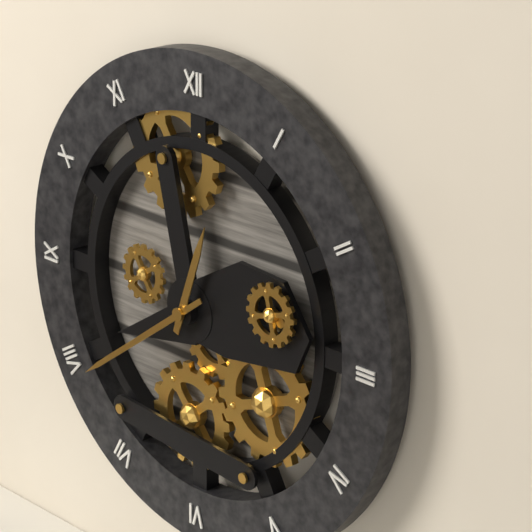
12,39
